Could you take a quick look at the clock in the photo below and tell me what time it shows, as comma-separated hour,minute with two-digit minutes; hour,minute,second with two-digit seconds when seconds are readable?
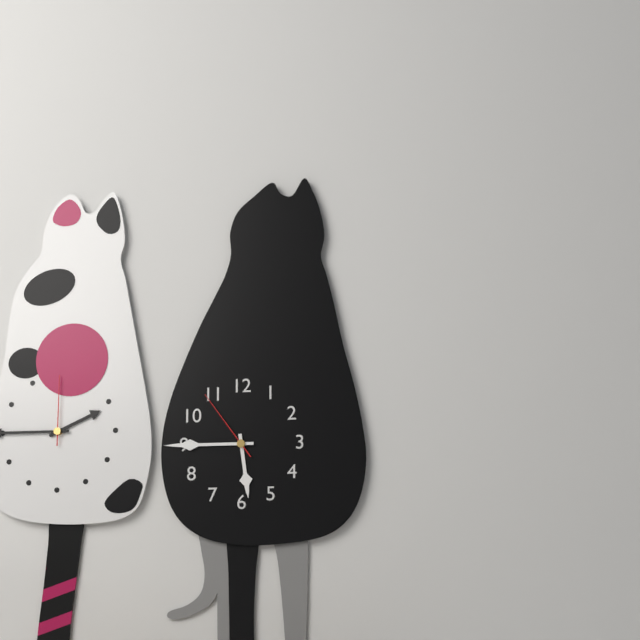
5,45,54
